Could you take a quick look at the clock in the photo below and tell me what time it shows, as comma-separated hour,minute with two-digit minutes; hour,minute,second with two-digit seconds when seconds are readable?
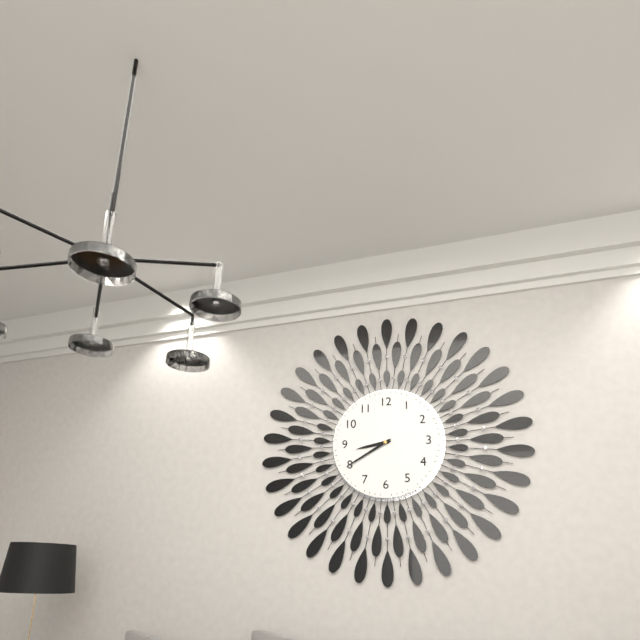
8,40
